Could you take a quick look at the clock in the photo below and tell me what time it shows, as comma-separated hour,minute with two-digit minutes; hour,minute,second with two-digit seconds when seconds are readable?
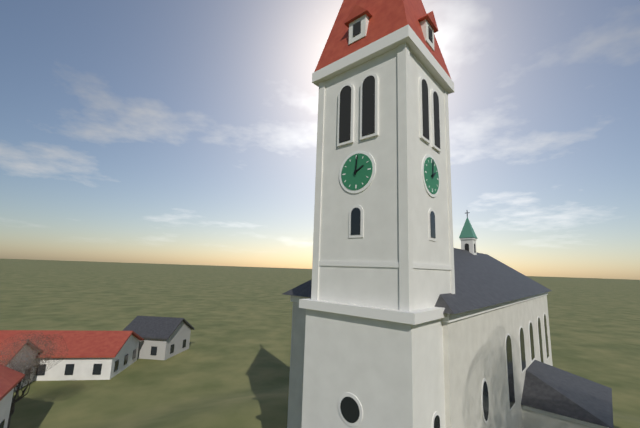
2,01
